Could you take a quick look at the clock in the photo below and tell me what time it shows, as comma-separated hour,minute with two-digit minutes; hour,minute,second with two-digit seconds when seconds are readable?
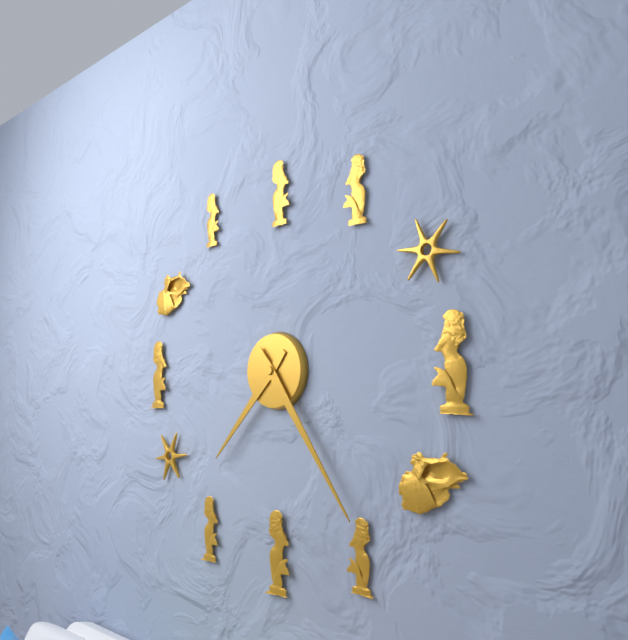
7,24
